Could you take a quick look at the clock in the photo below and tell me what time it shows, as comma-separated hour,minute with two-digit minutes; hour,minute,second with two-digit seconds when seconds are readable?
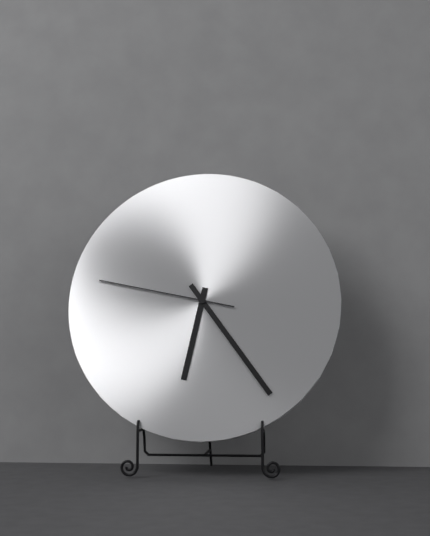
6,24,47
